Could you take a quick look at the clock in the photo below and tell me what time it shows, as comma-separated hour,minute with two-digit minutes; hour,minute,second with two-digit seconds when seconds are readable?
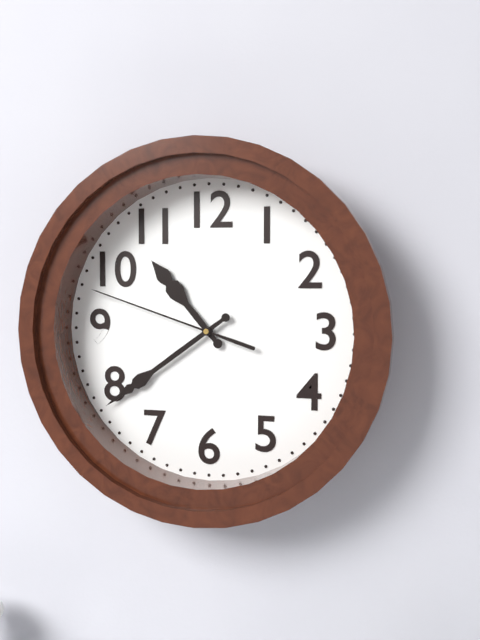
10,39,48
